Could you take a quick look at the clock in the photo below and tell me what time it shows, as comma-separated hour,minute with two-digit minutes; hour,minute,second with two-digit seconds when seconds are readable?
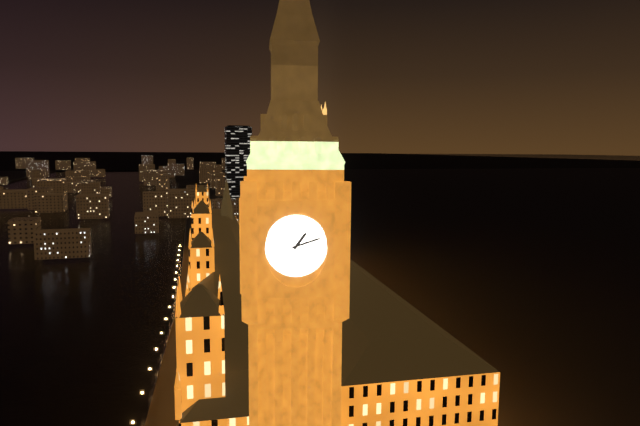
1,12
